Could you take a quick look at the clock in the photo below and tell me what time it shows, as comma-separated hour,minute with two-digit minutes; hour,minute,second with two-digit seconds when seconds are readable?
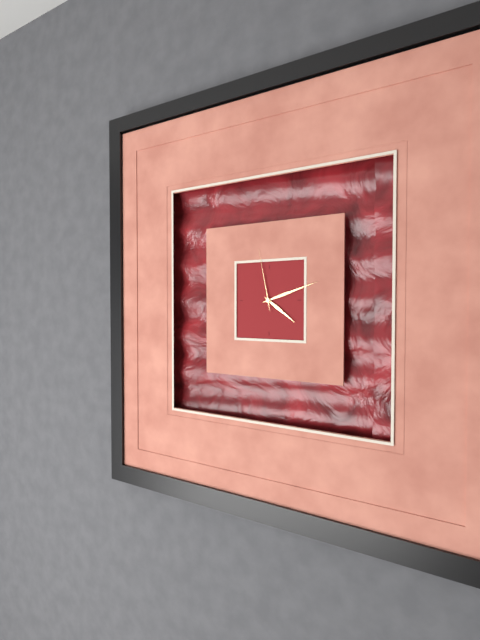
4,12,58
